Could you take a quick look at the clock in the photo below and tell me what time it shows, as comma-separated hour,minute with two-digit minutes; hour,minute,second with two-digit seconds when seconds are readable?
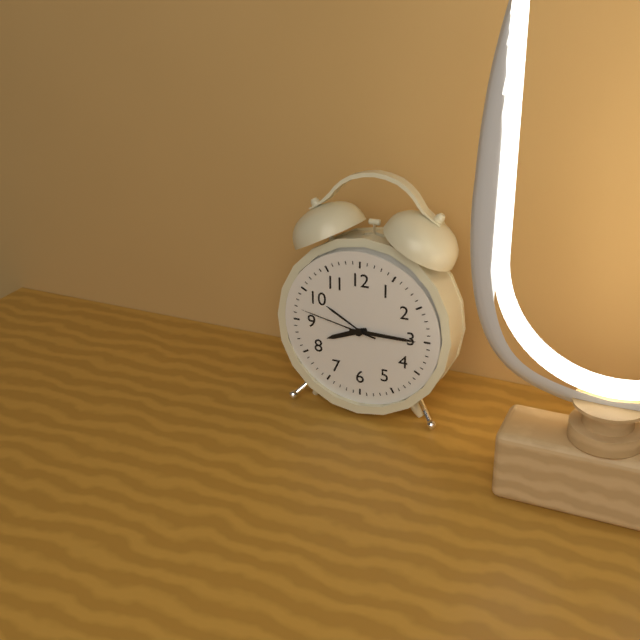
8,15,47
